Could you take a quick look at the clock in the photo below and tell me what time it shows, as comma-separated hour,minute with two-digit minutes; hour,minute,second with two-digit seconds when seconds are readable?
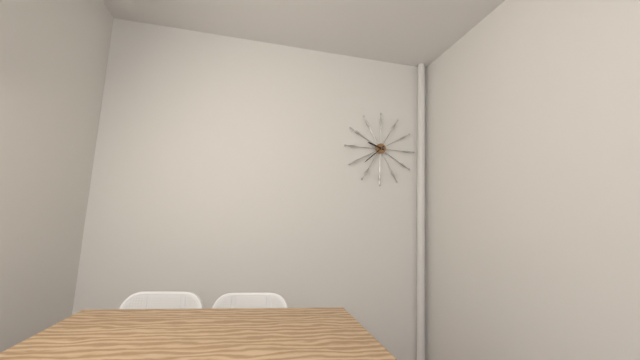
9,38
